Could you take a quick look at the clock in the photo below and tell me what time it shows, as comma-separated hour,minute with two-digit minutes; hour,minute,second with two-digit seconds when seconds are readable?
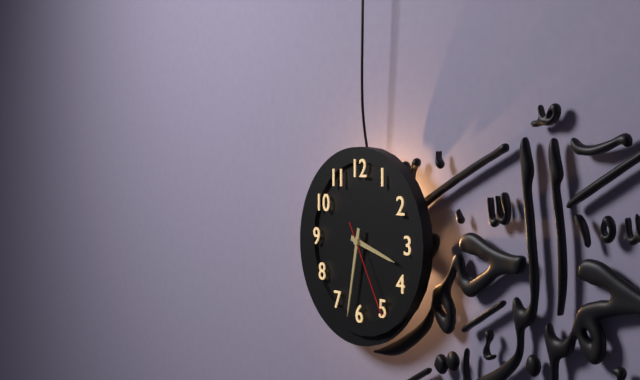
3,32,25
